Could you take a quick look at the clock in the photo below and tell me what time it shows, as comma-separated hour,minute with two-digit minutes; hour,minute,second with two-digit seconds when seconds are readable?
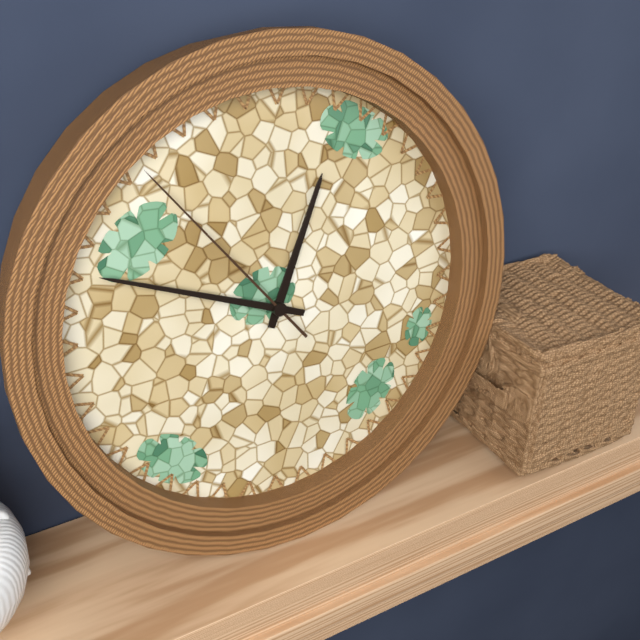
12,49,54
